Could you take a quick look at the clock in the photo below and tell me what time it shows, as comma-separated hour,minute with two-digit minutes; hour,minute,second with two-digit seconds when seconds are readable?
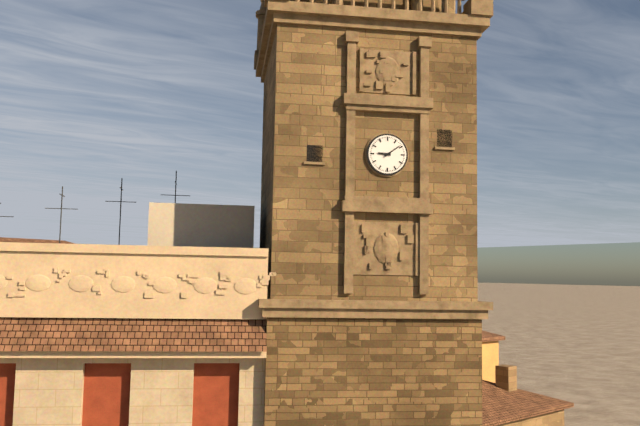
9,09
